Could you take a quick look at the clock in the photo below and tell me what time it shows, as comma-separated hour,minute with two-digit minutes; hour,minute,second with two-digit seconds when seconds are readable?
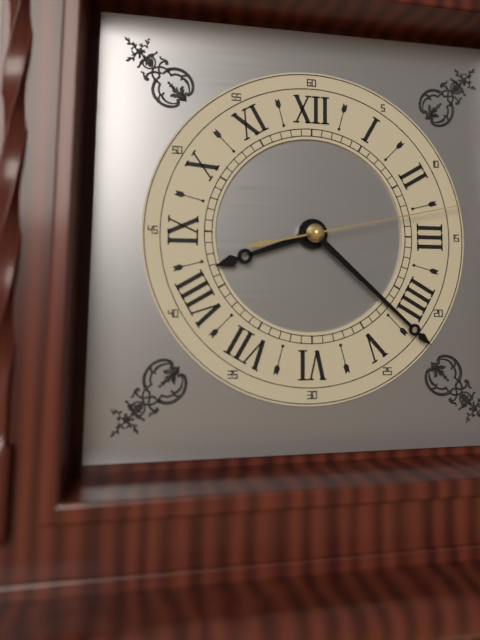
8,22,13
